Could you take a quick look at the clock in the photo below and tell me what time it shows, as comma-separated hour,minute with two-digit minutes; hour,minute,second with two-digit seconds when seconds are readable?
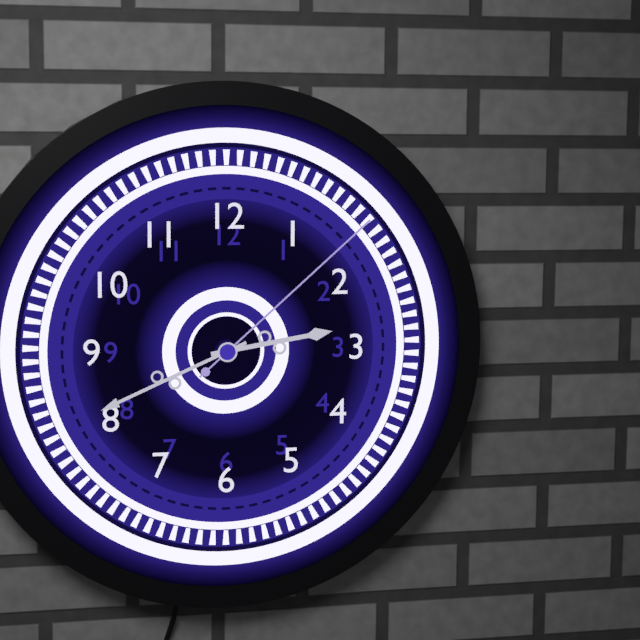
2,41,08
